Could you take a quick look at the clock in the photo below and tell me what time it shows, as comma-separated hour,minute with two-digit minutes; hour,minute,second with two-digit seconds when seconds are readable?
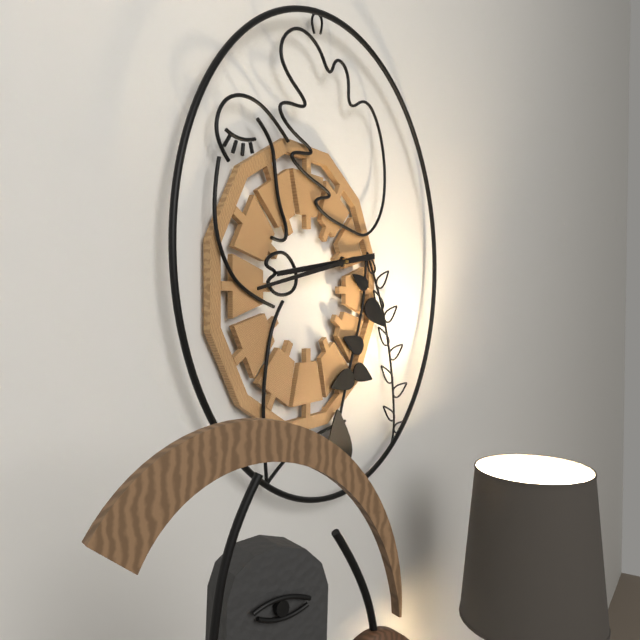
8,43
